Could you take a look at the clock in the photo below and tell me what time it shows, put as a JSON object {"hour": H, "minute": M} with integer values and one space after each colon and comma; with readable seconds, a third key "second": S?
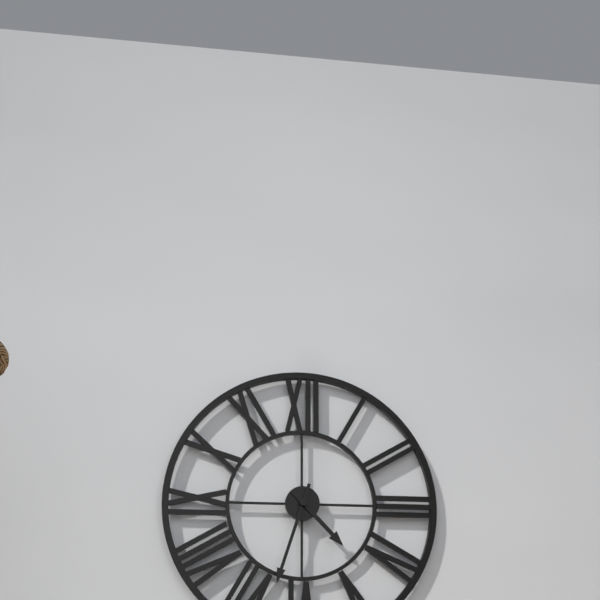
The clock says {"hour": 4, "minute": 33}
